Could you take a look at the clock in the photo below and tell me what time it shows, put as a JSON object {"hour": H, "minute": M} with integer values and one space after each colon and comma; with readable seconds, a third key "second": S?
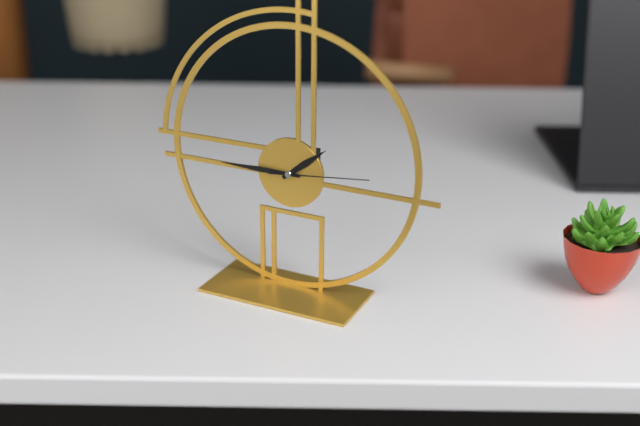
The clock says {"hour": 1, "minute": 45, "second": 14}
